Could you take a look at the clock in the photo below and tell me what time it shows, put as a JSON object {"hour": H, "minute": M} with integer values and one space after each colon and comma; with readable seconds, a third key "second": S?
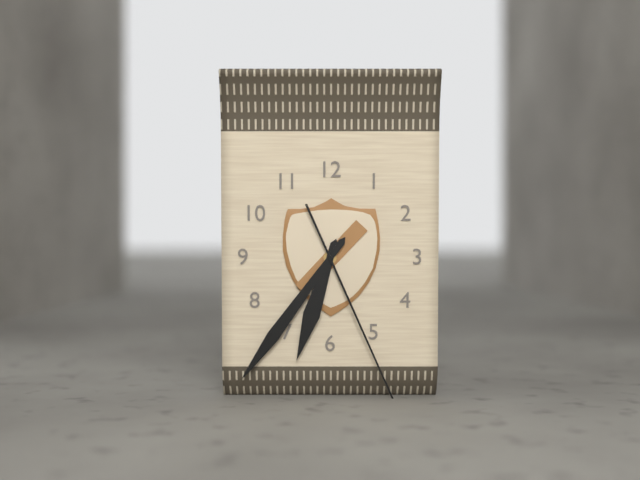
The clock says {"hour": 6, "minute": 36, "second": 26}
